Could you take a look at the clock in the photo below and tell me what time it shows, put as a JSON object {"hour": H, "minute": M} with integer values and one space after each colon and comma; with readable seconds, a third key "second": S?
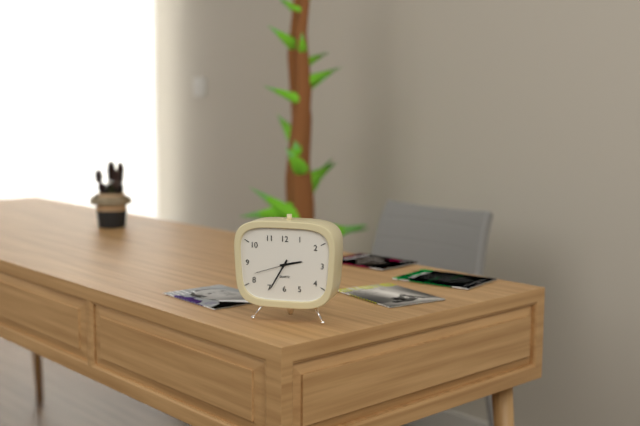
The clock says {"hour": 2, "minute": 35}
